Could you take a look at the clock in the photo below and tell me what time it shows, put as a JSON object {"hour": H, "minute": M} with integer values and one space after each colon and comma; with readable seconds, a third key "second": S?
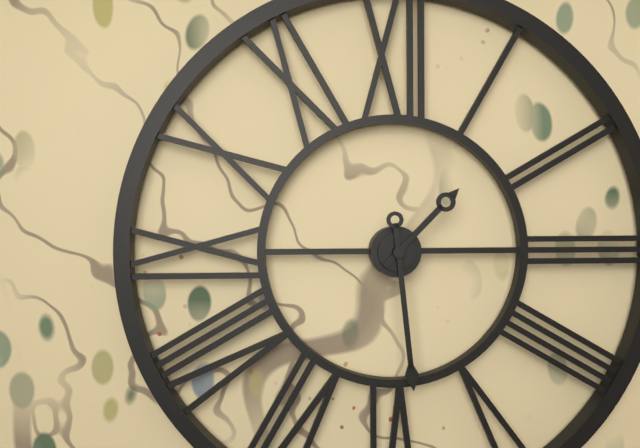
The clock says {"hour": 1, "minute": 29}
